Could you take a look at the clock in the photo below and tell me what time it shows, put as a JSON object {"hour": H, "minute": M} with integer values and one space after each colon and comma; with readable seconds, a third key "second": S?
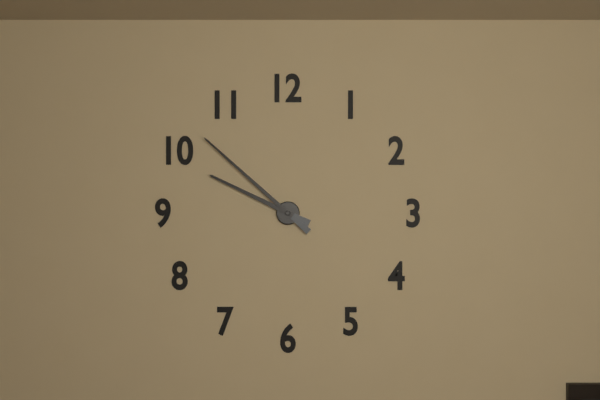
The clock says {"hour": 9, "minute": 52}
